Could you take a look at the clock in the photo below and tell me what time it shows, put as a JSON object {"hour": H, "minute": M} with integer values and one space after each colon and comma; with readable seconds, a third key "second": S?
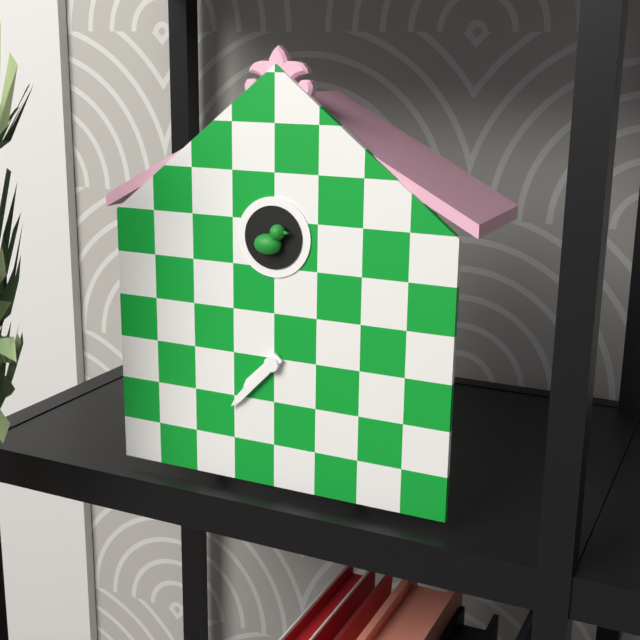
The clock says {"hour": 7, "minute": 37}
